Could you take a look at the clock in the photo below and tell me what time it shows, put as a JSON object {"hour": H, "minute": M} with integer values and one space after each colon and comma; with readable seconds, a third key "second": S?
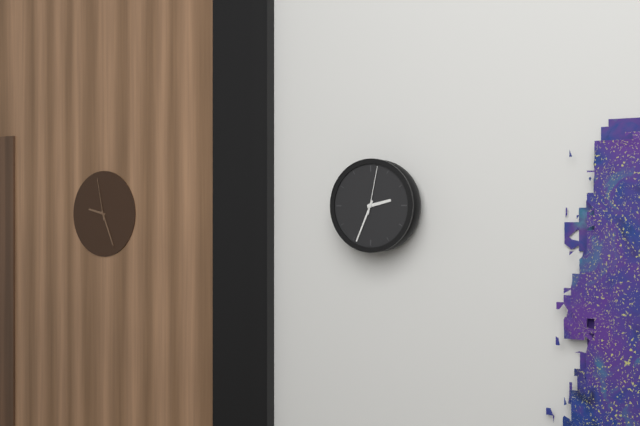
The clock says {"hour": 2, "minute": 34, "second": 2}
